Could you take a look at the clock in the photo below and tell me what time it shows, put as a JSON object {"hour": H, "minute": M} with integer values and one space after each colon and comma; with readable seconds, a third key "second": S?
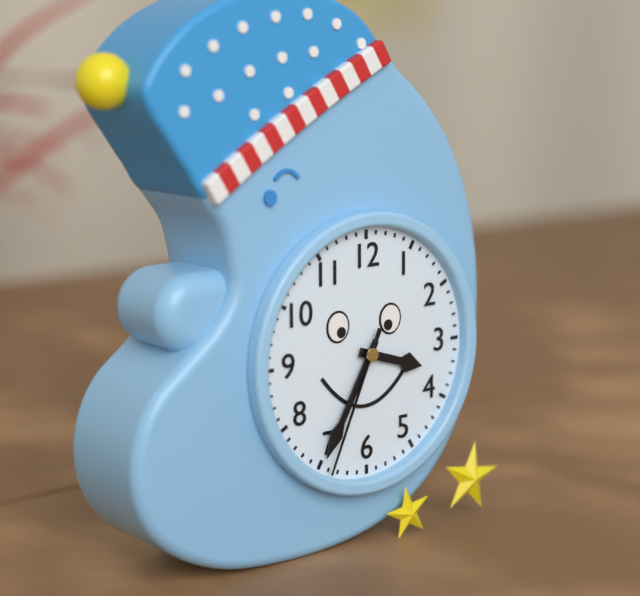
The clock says {"hour": 3, "minute": 35, "second": 34}
